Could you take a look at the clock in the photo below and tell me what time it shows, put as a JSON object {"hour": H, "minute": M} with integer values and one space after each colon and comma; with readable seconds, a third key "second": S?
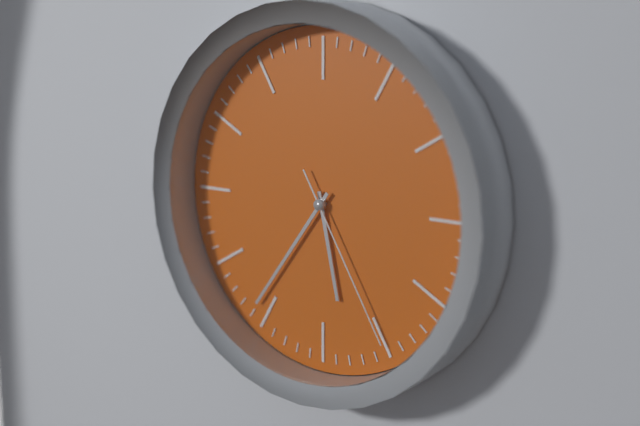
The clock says {"hour": 5, "minute": 36, "second": 25}
